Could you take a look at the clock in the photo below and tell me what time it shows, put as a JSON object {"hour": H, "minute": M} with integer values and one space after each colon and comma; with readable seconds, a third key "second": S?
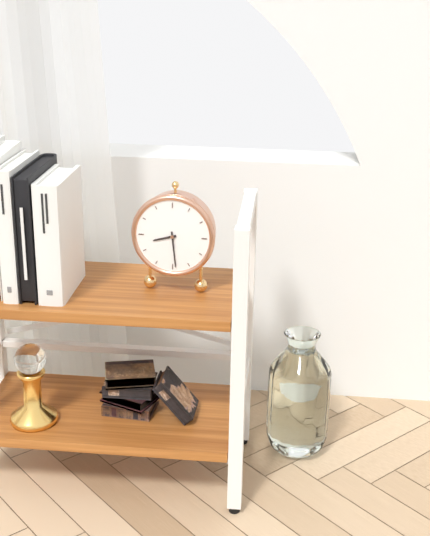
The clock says {"hour": 8, "minute": 29}
